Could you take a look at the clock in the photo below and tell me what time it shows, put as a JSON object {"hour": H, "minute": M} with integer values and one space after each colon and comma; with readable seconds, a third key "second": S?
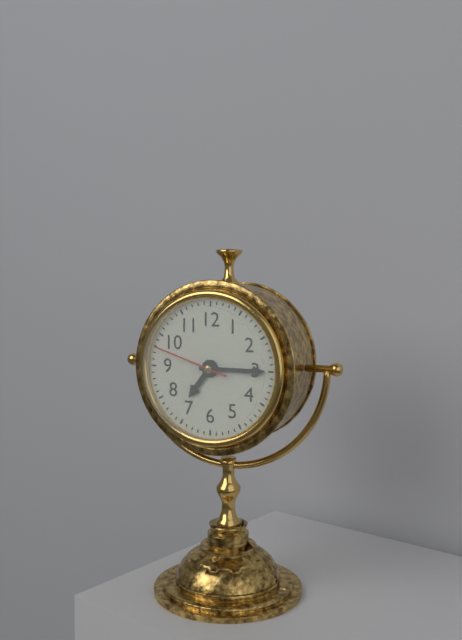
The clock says {"hour": 7, "minute": 15, "second": 48}
